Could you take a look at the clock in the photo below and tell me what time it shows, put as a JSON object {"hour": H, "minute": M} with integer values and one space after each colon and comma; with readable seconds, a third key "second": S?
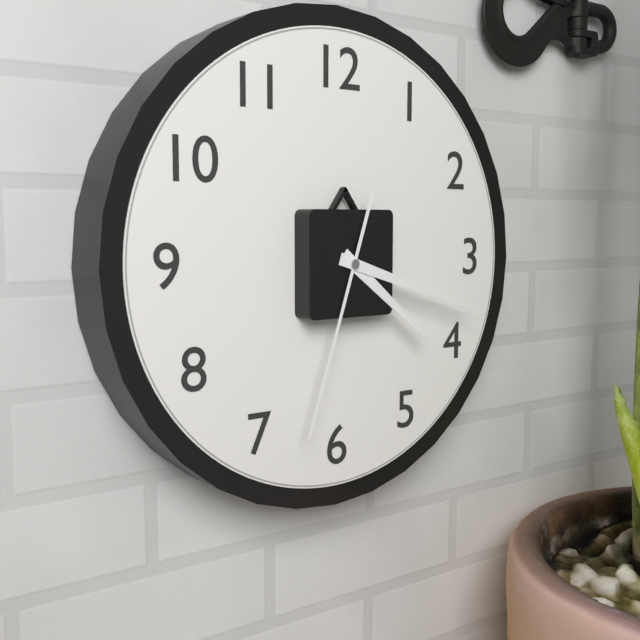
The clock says {"hour": 4, "minute": 18, "second": 33}
